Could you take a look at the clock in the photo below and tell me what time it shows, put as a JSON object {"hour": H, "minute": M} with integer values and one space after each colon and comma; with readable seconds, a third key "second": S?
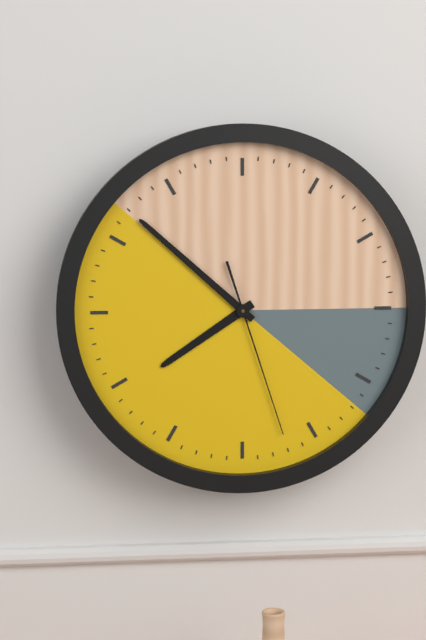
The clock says {"hour": 7, "minute": 52, "second": 27}
